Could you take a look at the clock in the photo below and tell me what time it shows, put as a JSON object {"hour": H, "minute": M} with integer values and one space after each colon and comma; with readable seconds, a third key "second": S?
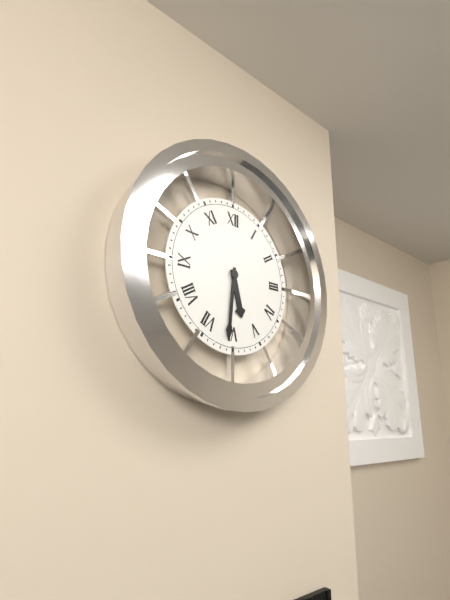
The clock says {"hour": 5, "minute": 31}
